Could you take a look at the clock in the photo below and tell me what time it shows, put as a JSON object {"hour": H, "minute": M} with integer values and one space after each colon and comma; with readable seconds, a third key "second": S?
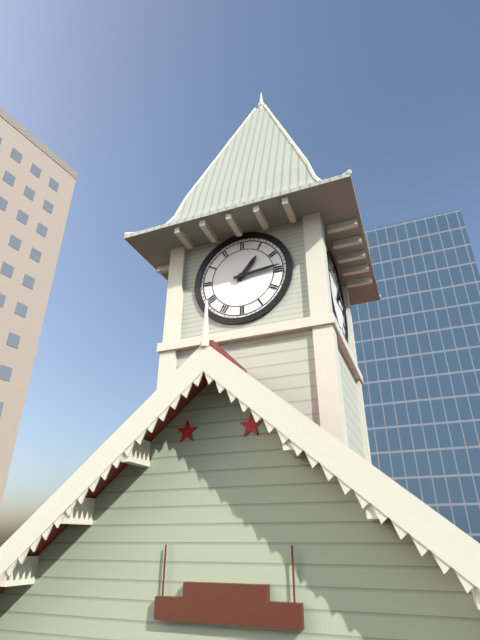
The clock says {"hour": 1, "minute": 14}
